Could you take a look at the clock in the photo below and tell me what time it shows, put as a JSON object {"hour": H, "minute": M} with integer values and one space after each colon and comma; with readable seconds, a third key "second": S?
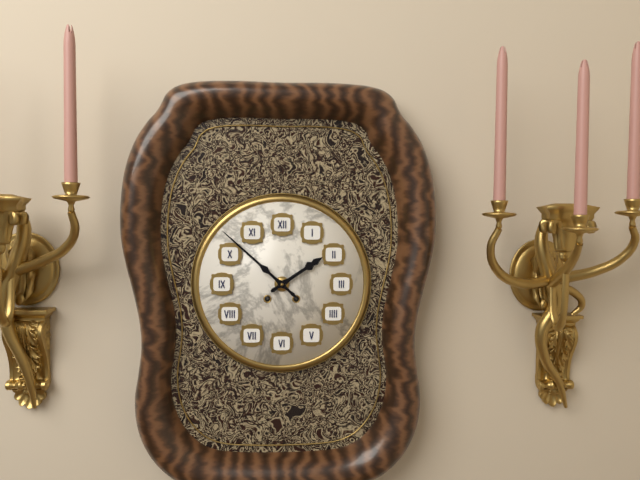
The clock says {"hour": 1, "minute": 52}
